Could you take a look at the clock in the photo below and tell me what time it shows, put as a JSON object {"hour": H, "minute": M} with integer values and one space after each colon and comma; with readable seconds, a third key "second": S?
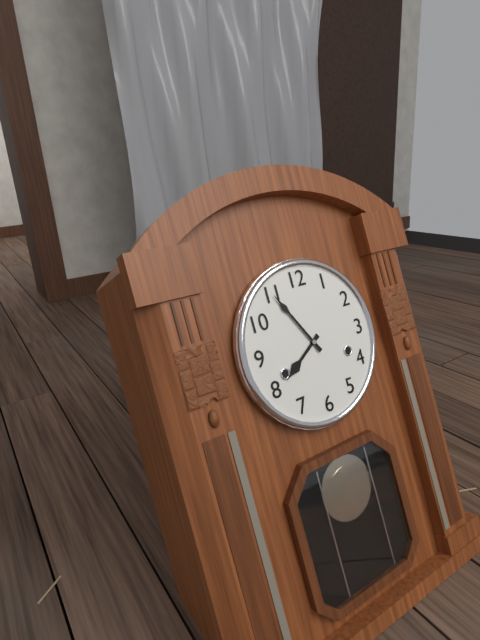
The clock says {"hour": 7, "minute": 55}
